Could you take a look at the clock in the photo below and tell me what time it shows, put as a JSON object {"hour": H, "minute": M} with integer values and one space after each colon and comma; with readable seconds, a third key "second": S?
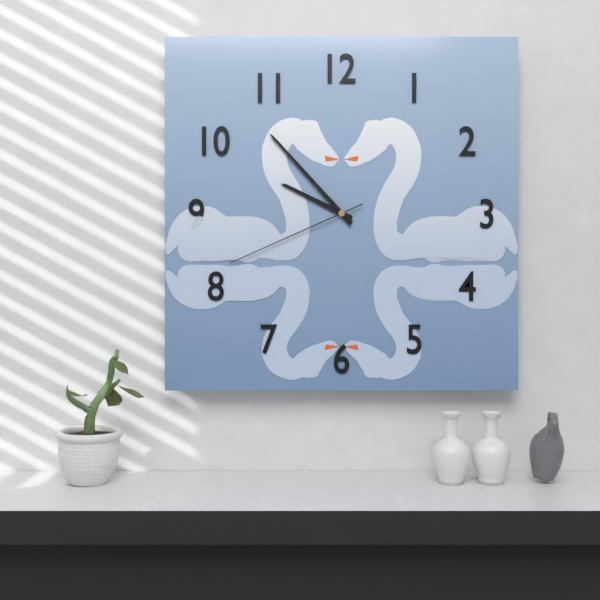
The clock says {"hour": 9, "minute": 53, "second": 41}
